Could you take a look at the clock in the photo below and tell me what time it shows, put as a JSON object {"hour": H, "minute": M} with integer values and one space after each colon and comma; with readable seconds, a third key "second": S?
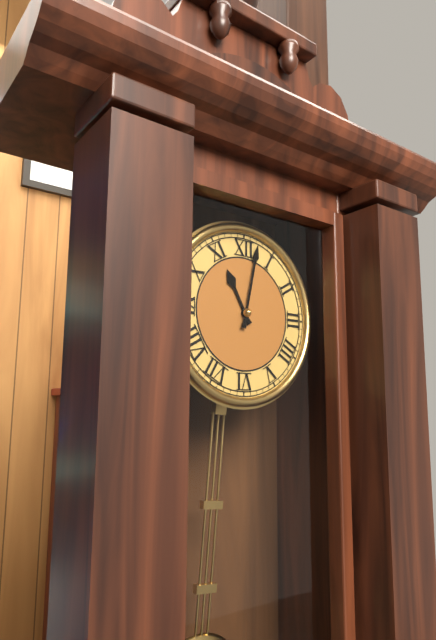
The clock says {"hour": 11, "minute": 2}
